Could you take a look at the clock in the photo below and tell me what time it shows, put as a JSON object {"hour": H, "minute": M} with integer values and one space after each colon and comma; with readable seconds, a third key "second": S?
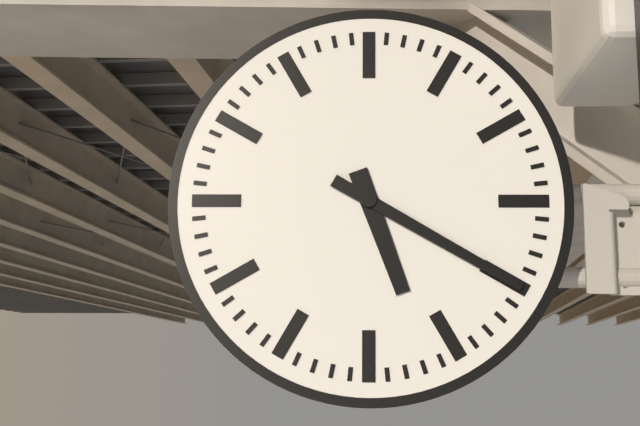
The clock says {"hour": 5, "minute": 20}
